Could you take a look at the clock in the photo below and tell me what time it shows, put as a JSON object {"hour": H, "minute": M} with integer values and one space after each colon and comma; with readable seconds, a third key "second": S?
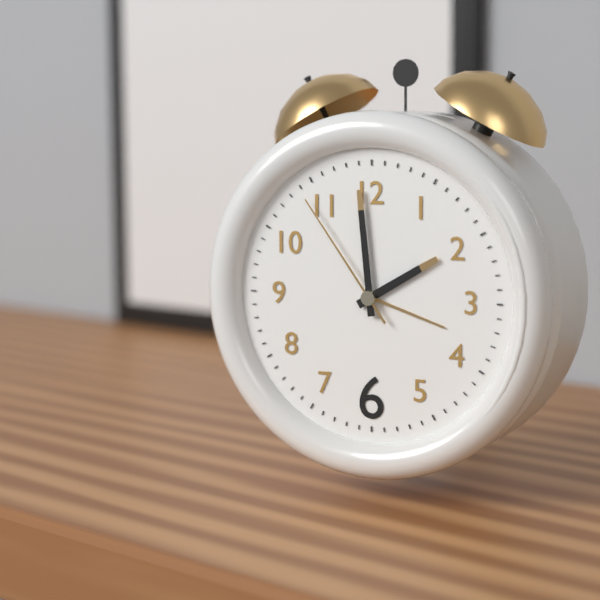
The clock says {"hour": 1, "minute": 59, "second": 54}
